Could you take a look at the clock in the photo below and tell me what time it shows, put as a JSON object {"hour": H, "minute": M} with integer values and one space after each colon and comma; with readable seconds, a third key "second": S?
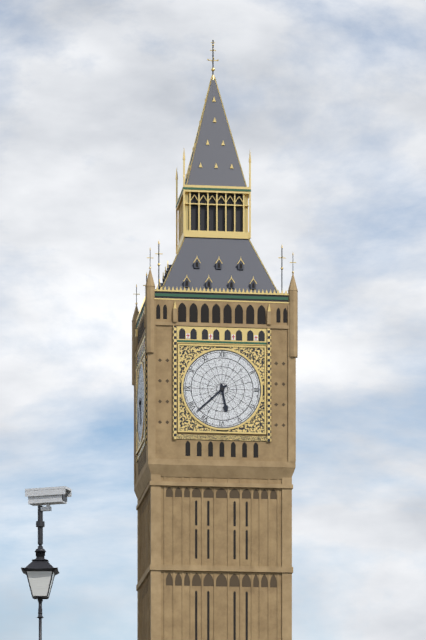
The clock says {"hour": 5, "minute": 38}
